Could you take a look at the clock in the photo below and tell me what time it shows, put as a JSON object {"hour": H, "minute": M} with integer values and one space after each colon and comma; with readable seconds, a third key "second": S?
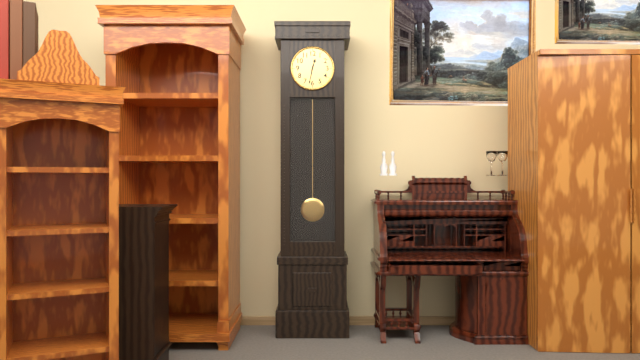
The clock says {"hour": 12, "minute": 32}
